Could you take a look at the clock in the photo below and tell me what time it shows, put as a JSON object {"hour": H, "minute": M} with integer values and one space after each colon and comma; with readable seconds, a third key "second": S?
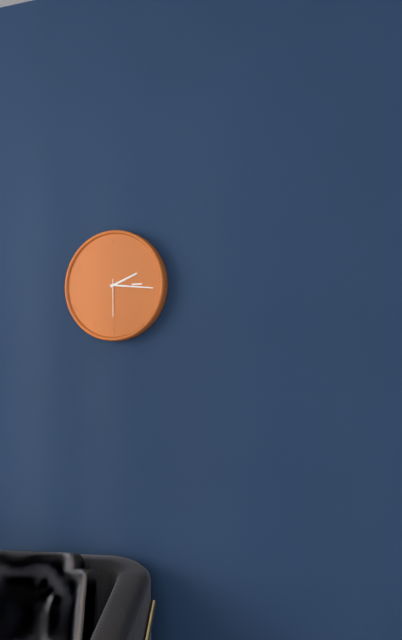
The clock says {"hour": 2, "minute": 16}
